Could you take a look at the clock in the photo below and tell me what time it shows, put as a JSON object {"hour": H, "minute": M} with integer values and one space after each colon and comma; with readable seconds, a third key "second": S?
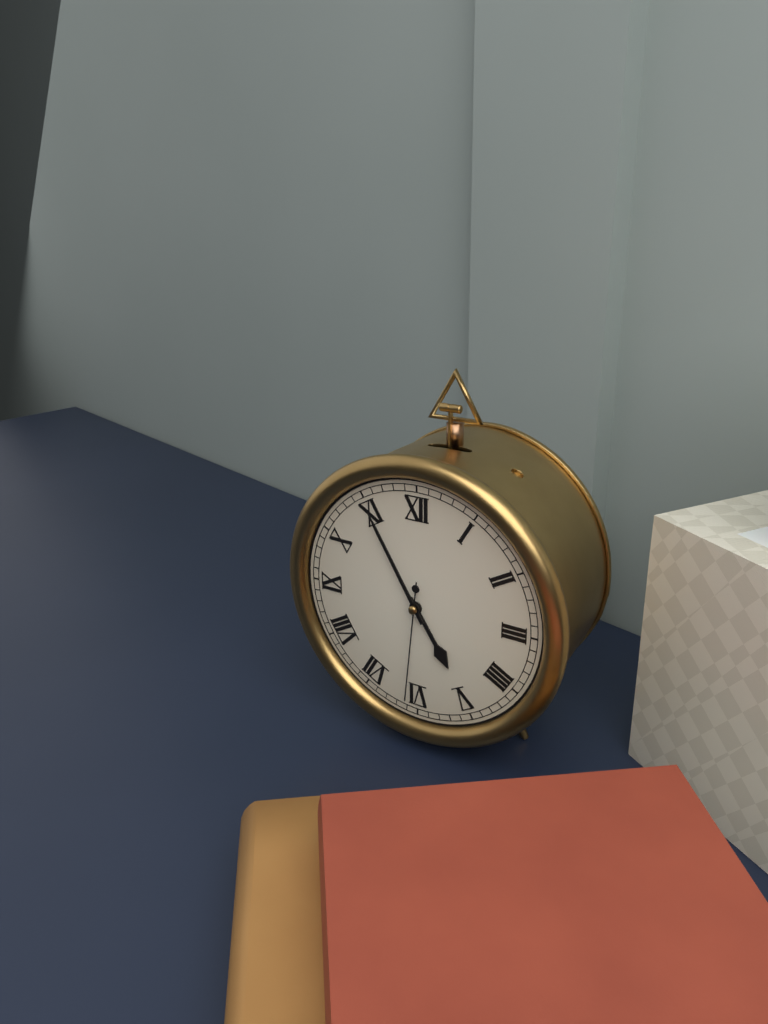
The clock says {"hour": 4, "minute": 55, "second": 31}
